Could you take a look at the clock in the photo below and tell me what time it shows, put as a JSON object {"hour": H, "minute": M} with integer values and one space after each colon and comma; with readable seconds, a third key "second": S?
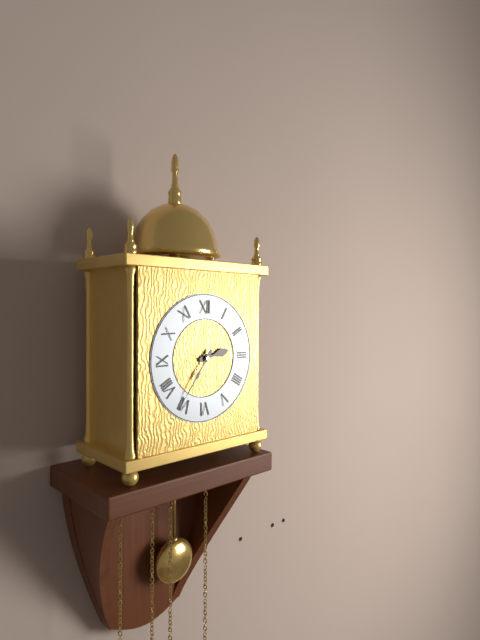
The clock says {"hour": 2, "minute": 36}
